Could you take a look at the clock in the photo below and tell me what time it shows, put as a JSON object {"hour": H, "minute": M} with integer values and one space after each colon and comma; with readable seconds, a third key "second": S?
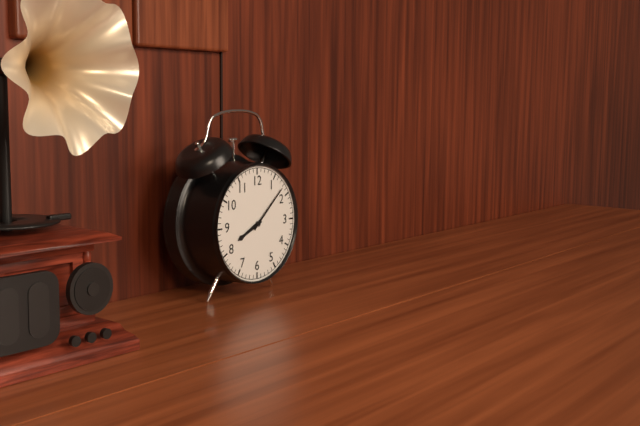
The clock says {"hour": 8, "minute": 8}
